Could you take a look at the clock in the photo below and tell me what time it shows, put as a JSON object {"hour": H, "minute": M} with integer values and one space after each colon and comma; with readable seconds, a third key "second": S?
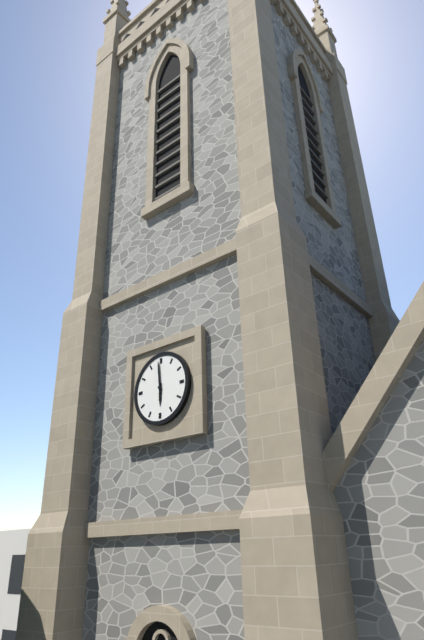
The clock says {"hour": 5, "minute": 59}
